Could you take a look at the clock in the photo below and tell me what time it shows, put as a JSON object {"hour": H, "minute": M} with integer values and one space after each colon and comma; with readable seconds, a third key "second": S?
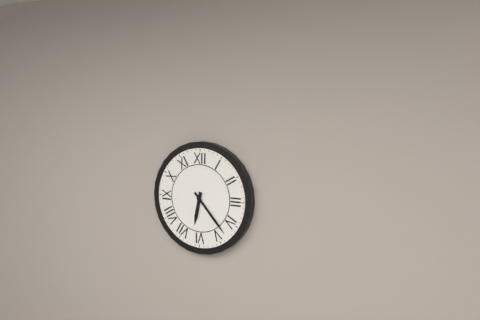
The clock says {"hour": 6, "minute": 23}
